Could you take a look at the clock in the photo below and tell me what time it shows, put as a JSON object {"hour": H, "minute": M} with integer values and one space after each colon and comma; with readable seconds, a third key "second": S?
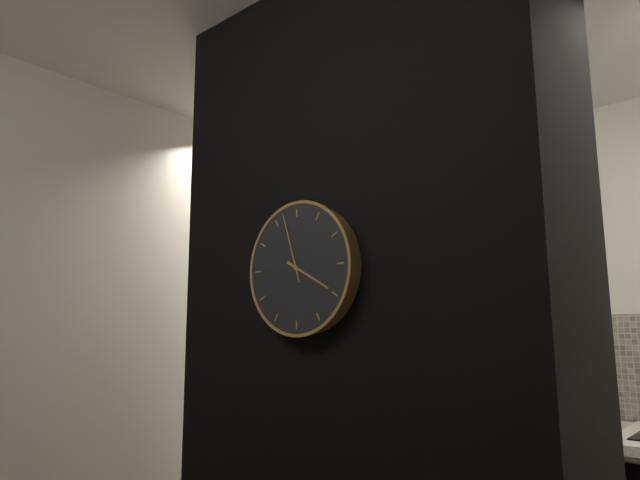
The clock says {"hour": 3, "minute": 57}
